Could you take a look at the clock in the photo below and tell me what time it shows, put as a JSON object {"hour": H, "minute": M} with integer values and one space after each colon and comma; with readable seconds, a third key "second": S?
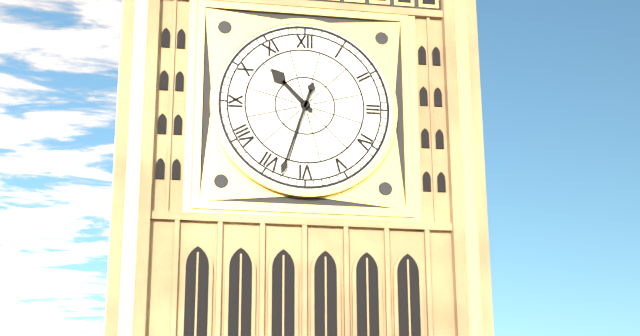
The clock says {"hour": 10, "minute": 33}
